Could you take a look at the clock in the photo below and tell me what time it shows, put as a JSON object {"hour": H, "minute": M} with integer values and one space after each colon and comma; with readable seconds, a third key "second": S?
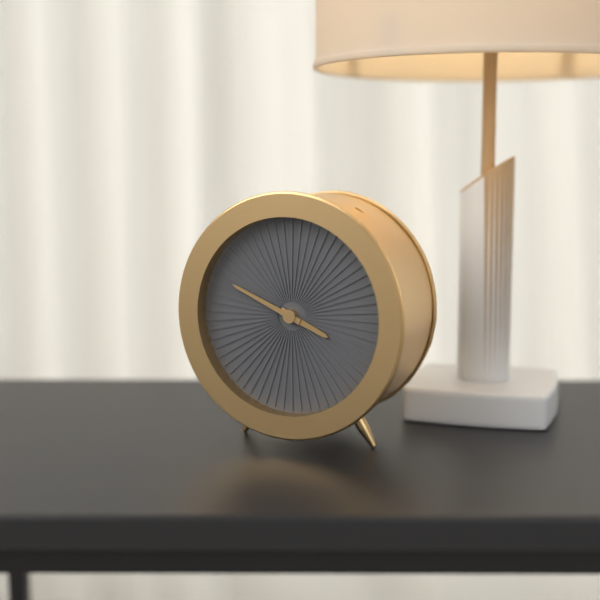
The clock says {"hour": 3, "minute": 49}
